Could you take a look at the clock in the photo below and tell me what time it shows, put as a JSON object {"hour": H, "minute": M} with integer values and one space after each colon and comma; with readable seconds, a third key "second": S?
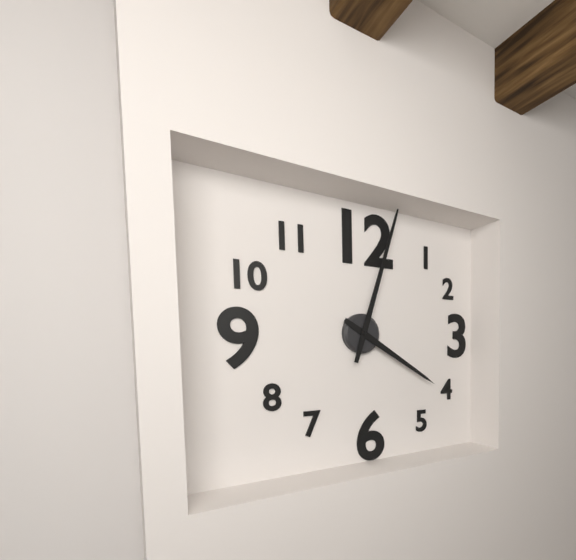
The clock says {"hour": 4, "minute": 3}
